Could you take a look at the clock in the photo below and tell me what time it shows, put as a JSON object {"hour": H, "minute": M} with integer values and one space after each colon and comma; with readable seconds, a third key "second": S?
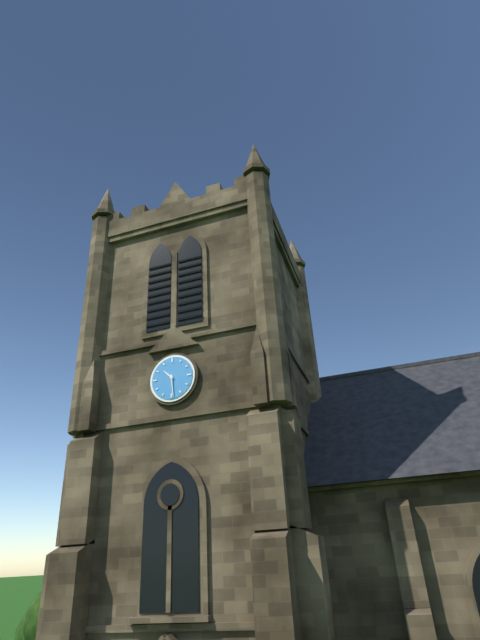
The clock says {"hour": 10, "minute": 29}
